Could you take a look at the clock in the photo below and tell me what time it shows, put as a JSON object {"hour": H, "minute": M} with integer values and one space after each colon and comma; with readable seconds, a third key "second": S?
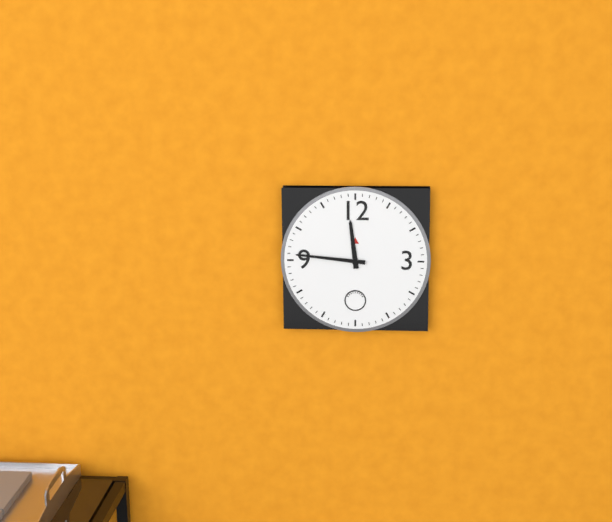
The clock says {"hour": 11, "minute": 46}
